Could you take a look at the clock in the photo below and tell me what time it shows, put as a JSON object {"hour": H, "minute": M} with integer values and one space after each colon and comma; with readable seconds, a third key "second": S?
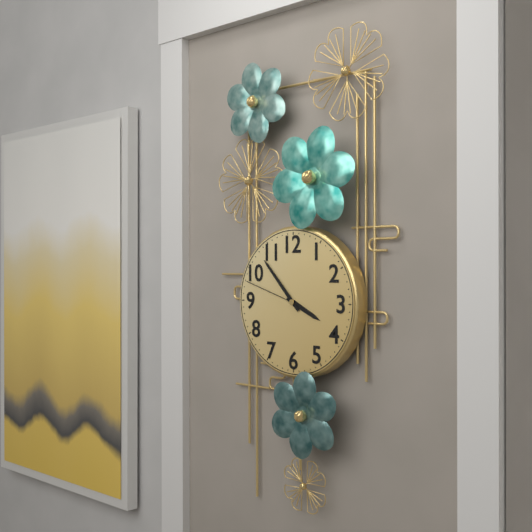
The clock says {"hour": 3, "minute": 53, "second": 48}
